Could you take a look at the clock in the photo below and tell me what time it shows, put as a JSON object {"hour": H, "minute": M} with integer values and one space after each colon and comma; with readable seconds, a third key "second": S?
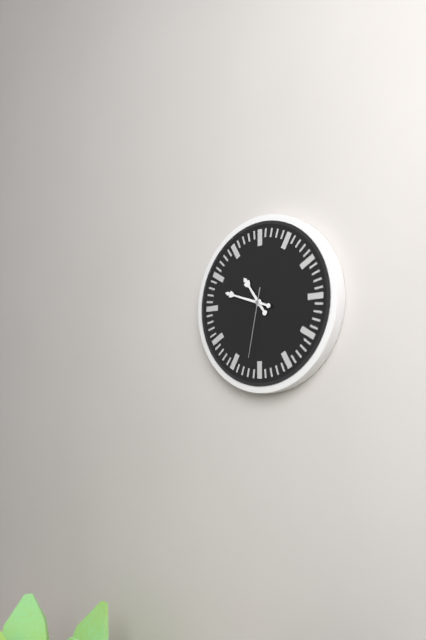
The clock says {"hour": 10, "minute": 48, "second": 32}
